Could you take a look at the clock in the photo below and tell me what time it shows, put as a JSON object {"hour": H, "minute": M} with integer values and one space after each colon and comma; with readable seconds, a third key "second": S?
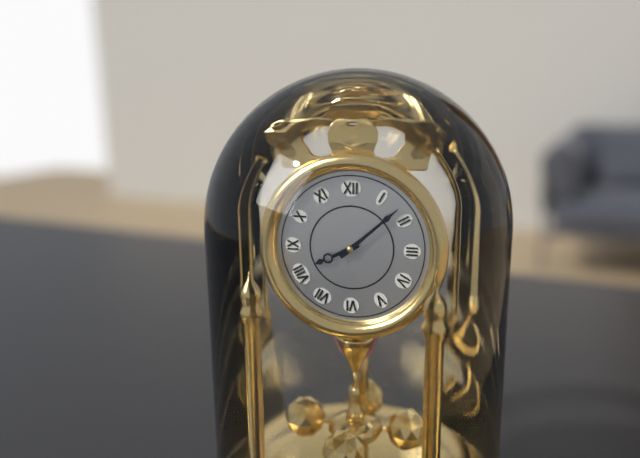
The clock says {"hour": 8, "minute": 8}
